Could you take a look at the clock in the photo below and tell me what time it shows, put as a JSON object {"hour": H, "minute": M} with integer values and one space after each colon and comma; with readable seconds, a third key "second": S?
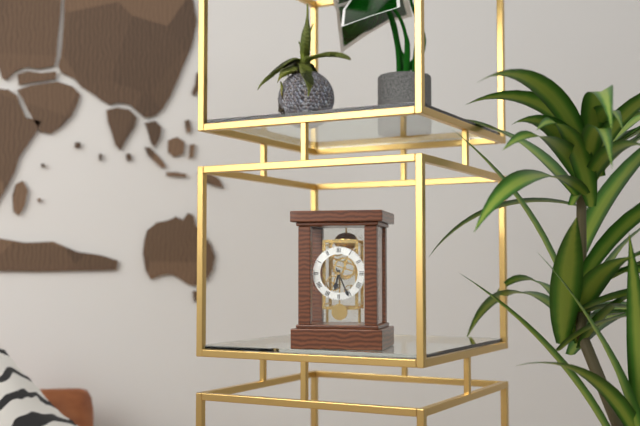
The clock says {"hour": 6, "minute": 26}
